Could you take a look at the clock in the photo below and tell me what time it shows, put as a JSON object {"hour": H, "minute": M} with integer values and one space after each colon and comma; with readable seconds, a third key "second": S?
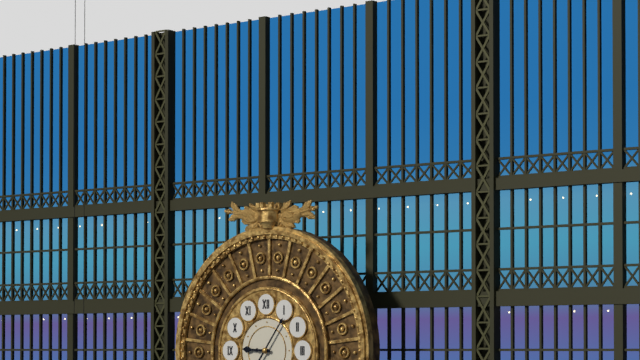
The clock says {"hour": 9, "minute": 6}
